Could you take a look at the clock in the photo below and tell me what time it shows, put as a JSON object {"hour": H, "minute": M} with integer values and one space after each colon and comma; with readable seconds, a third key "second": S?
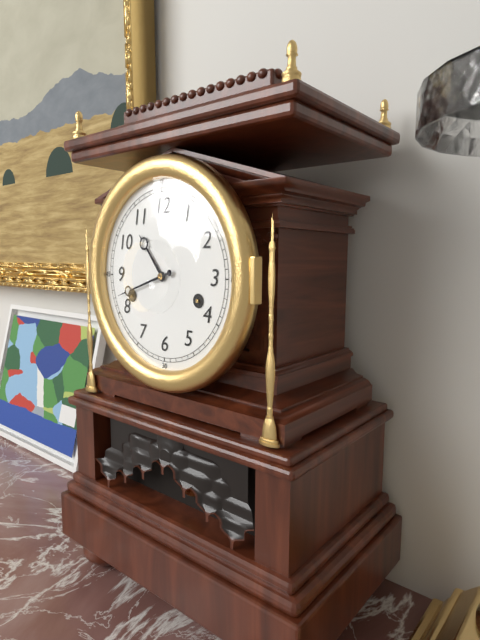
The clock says {"hour": 10, "minute": 42}
